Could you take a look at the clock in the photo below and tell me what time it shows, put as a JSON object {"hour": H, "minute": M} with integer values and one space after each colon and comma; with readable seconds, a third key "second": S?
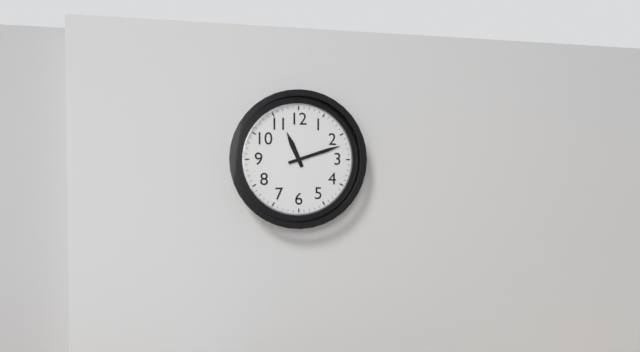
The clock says {"hour": 11, "minute": 12}
